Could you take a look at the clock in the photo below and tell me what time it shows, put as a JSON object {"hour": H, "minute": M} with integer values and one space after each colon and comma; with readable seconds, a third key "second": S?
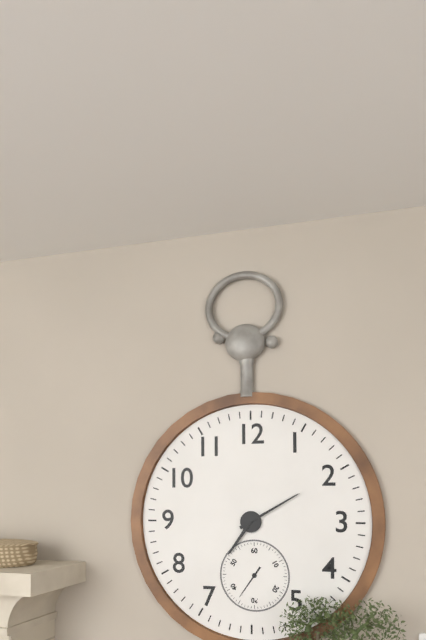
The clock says {"hour": 7, "minute": 10}
